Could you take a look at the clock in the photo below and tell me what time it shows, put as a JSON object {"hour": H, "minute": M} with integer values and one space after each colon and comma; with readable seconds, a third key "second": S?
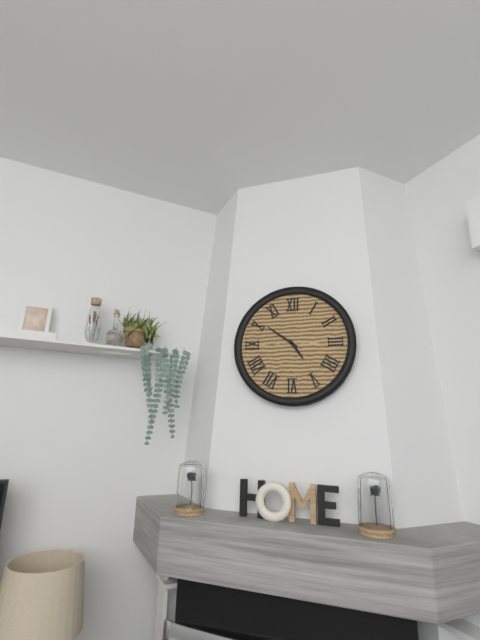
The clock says {"hour": 4, "minute": 51}
